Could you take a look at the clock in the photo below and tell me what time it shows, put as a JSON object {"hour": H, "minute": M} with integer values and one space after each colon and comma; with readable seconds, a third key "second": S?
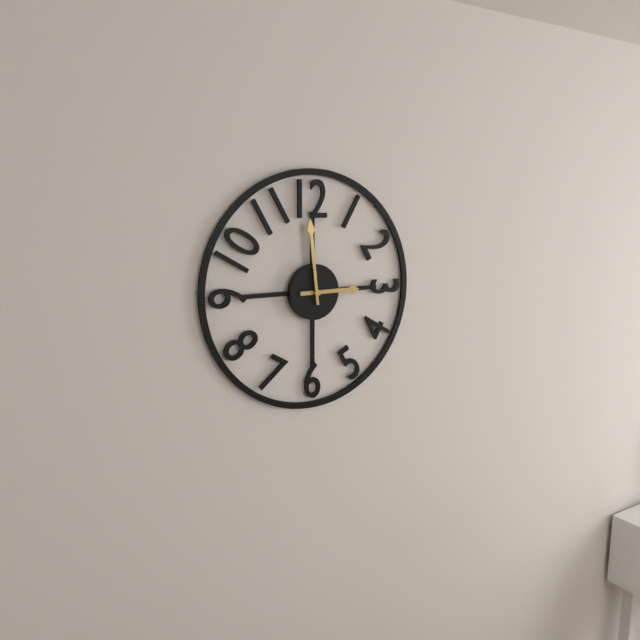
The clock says {"hour": 2, "minute": 59}
